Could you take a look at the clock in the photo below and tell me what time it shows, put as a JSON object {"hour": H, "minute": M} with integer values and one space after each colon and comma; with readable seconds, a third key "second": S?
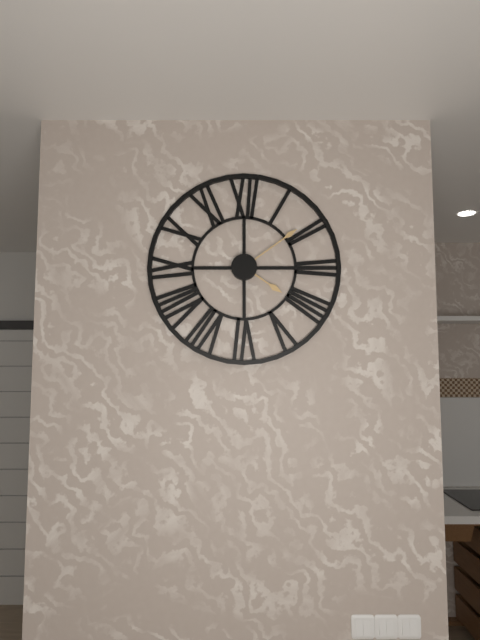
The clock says {"hour": 4, "minute": 9}
